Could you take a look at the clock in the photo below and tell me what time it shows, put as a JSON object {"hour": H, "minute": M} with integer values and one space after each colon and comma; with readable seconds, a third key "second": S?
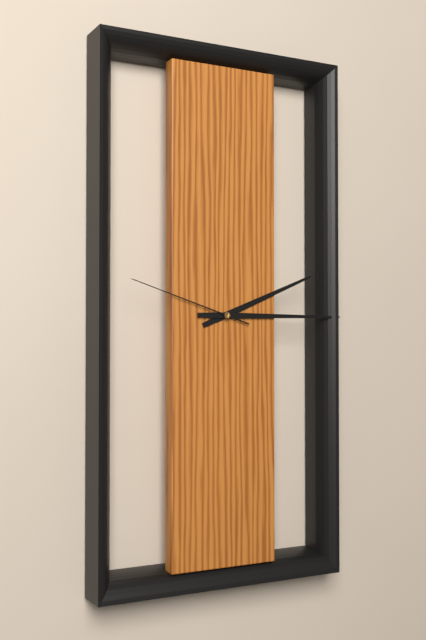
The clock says {"hour": 2, "minute": 15, "second": 48}
